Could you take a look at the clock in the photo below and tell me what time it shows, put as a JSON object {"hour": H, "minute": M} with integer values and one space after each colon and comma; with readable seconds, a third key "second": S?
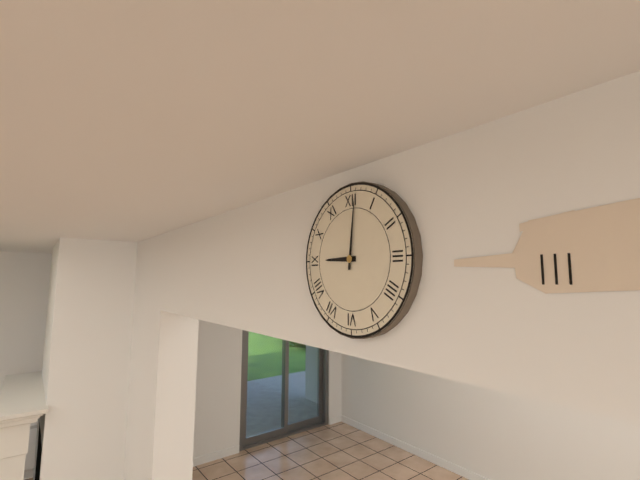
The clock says {"hour": 9, "minute": 1}
